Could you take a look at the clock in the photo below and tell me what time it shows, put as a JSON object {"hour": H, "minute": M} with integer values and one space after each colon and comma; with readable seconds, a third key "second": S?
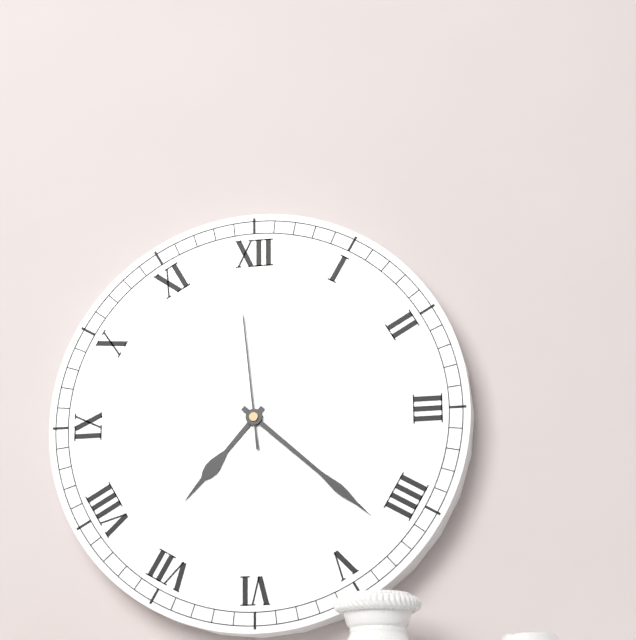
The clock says {"hour": 7, "minute": 22, "second": 59}
